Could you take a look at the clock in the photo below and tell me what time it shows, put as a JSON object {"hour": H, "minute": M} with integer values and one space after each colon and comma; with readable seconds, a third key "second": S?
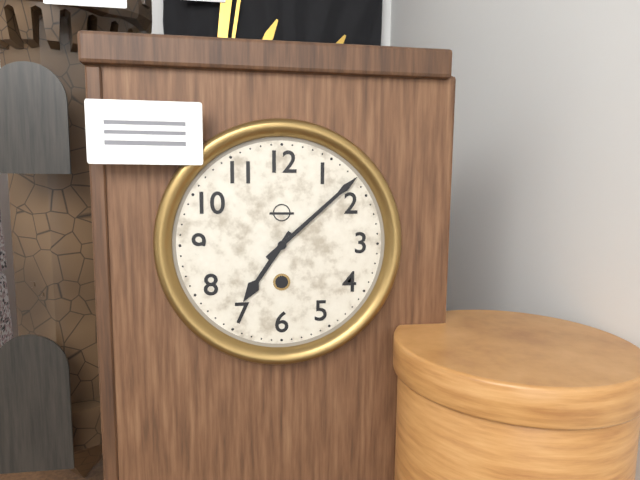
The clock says {"hour": 7, "minute": 8}
